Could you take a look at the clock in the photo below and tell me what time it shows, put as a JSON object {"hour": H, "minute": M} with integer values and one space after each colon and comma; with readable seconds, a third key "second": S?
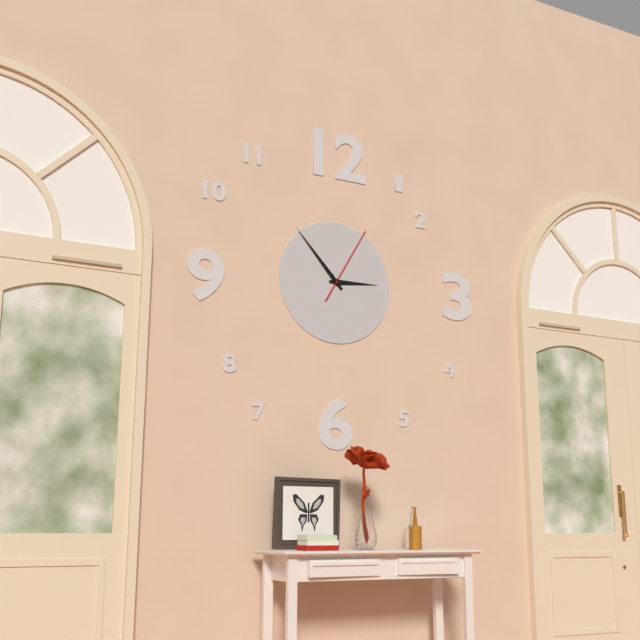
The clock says {"hour": 2, "minute": 53, "second": 5}
